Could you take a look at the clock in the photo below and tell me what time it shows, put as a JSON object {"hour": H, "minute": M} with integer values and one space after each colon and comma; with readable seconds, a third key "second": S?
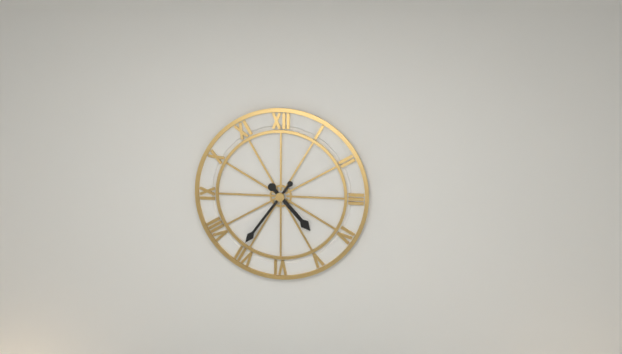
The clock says {"hour": 4, "minute": 36}
